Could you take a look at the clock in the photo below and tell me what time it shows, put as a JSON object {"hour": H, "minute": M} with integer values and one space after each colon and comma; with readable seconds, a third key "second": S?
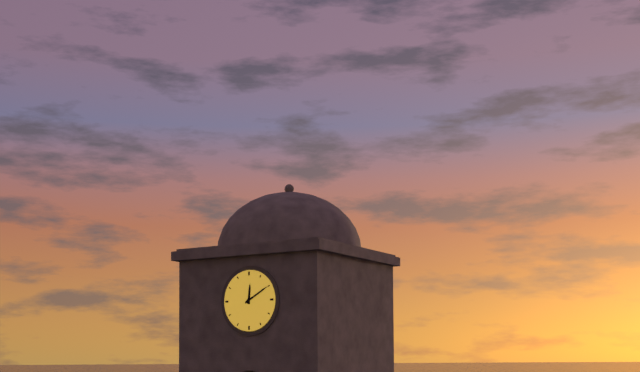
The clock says {"hour": 12, "minute": 10}
